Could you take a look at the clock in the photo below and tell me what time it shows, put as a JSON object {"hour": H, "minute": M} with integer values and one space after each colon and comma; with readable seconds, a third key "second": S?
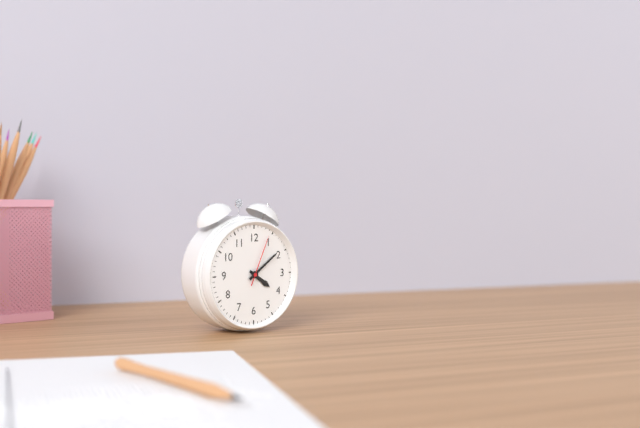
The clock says {"hour": 4, "minute": 9, "second": 4}
